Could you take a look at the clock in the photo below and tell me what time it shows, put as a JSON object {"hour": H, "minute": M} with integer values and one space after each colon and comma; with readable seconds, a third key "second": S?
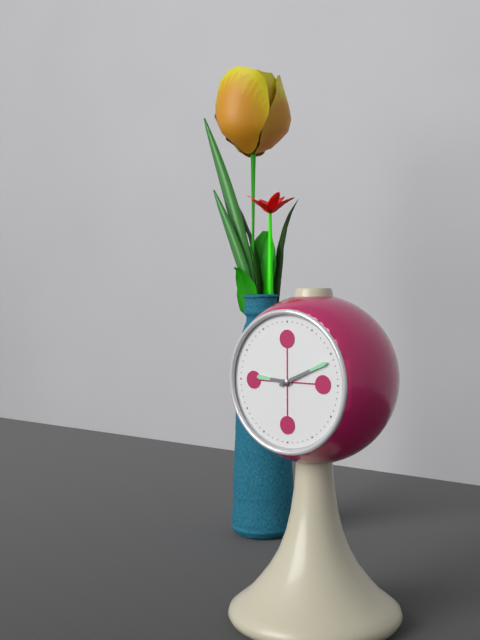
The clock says {"hour": 9, "minute": 11}
